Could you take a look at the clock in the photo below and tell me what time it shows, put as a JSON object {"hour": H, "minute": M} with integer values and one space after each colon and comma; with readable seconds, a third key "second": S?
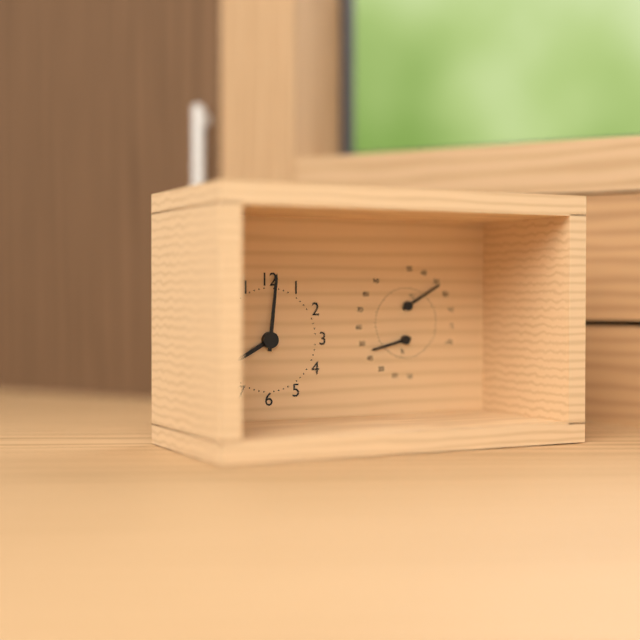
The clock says {"hour": 8, "minute": 1}
